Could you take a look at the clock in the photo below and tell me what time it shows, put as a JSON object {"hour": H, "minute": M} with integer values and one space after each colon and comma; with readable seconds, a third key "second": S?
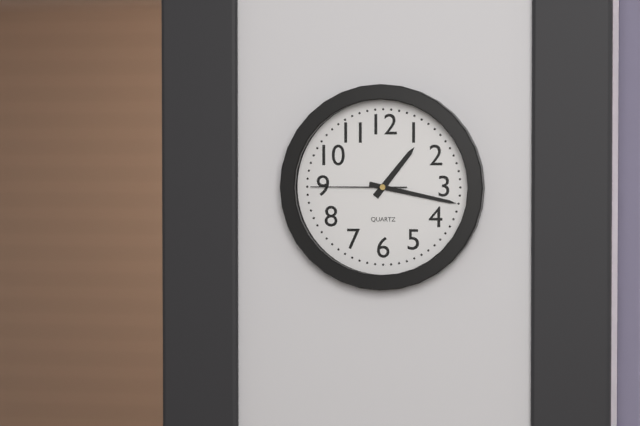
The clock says {"hour": 1, "minute": 17, "second": 45}
